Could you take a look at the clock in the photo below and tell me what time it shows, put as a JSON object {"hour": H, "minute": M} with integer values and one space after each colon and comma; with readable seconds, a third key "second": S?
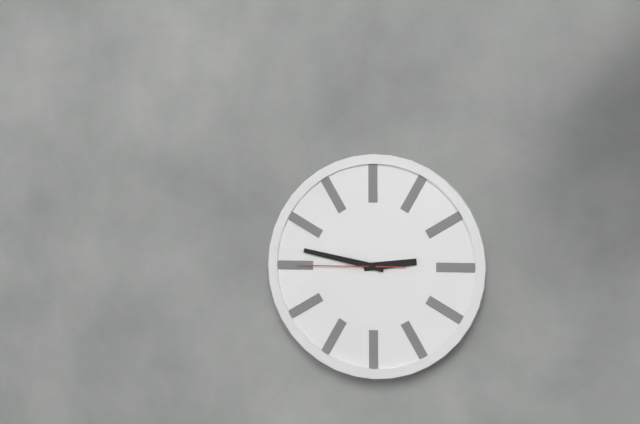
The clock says {"hour": 2, "minute": 47, "second": 45}
